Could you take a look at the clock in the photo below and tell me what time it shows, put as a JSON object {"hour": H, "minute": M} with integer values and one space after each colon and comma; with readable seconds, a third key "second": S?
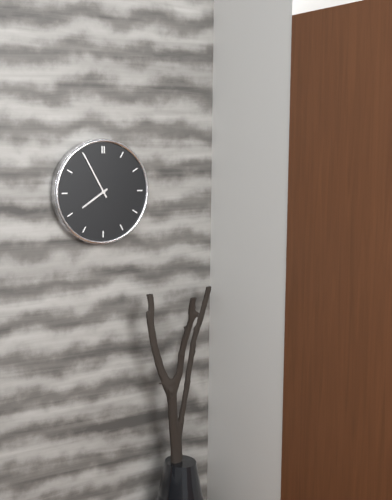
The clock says {"hour": 7, "minute": 55}
